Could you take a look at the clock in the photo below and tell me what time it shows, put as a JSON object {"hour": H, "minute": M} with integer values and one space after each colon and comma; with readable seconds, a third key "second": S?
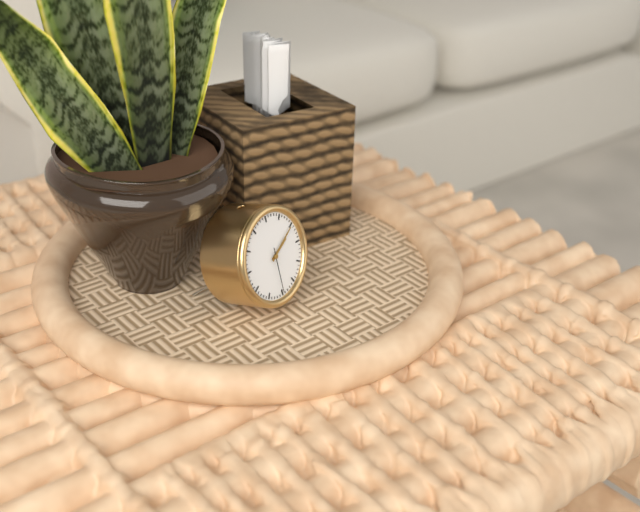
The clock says {"hour": 2, "minute": 10}
